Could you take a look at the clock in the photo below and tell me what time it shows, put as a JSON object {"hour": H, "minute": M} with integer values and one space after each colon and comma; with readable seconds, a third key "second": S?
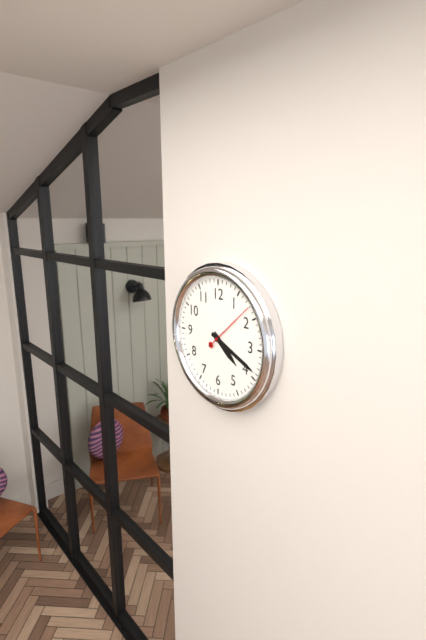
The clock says {"hour": 4, "minute": 19, "second": 8}
